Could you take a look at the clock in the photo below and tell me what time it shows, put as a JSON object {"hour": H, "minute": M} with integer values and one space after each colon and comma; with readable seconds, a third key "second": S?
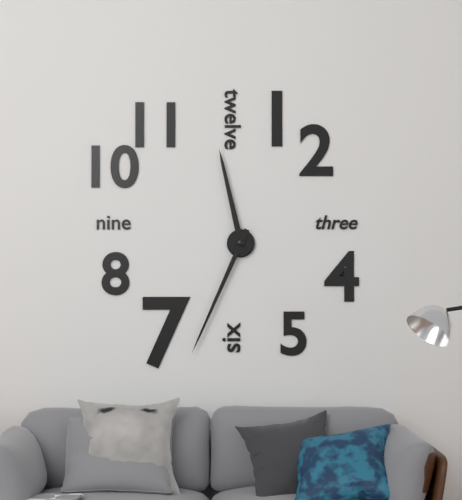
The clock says {"hour": 11, "minute": 34}
